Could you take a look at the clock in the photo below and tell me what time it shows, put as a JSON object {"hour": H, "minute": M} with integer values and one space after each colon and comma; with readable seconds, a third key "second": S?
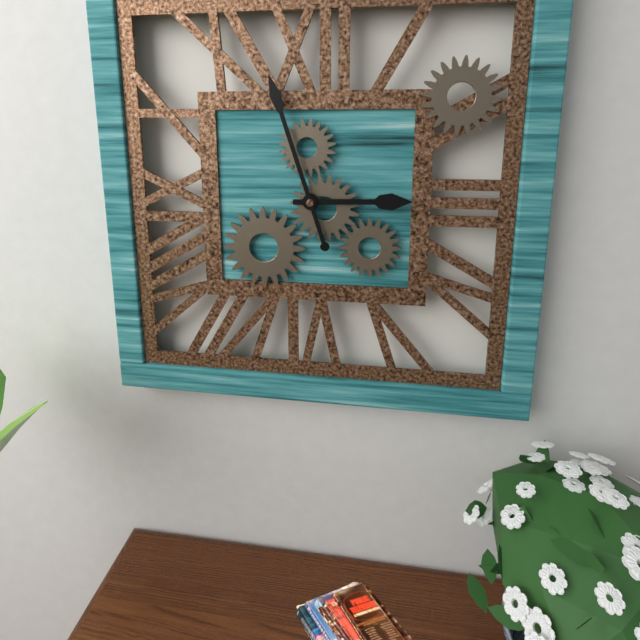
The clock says {"hour": 2, "minute": 57}
